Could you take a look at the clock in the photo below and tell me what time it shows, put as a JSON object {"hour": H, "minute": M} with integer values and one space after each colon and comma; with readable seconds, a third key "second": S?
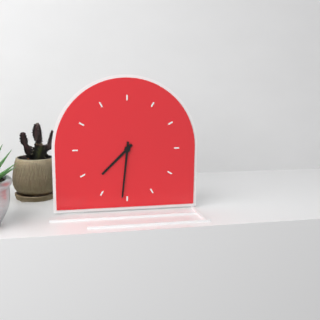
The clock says {"hour": 7, "minute": 31}
